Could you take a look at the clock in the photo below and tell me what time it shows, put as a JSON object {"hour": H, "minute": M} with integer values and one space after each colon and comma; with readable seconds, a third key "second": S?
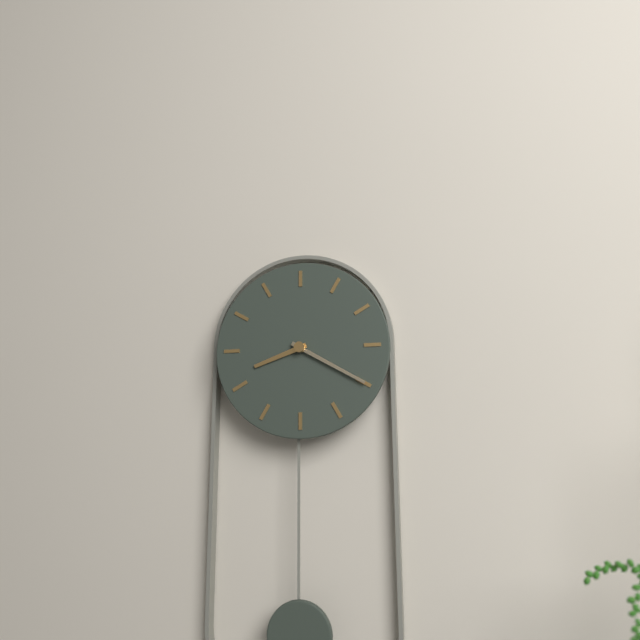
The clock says {"hour": 8, "minute": 20}
